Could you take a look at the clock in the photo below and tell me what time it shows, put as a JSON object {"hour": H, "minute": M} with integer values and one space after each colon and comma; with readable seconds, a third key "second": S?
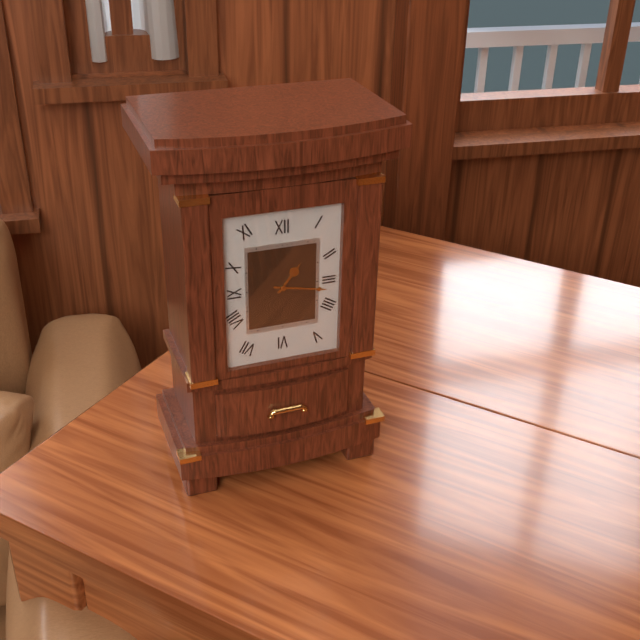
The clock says {"hour": 1, "minute": 17}
